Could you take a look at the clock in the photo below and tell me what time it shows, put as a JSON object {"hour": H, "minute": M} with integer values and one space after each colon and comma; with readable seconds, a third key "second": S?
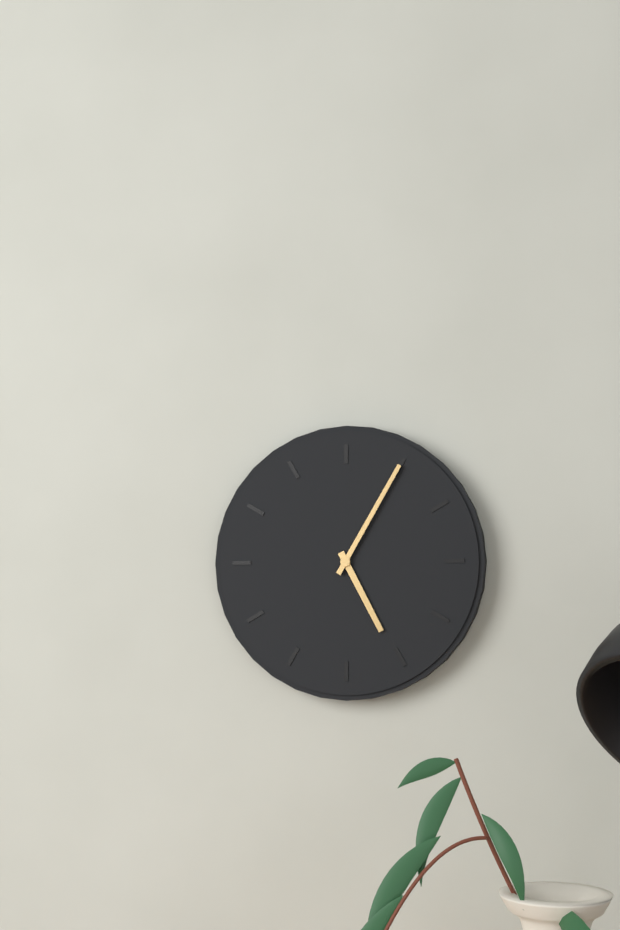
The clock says {"hour": 5, "minute": 5}
